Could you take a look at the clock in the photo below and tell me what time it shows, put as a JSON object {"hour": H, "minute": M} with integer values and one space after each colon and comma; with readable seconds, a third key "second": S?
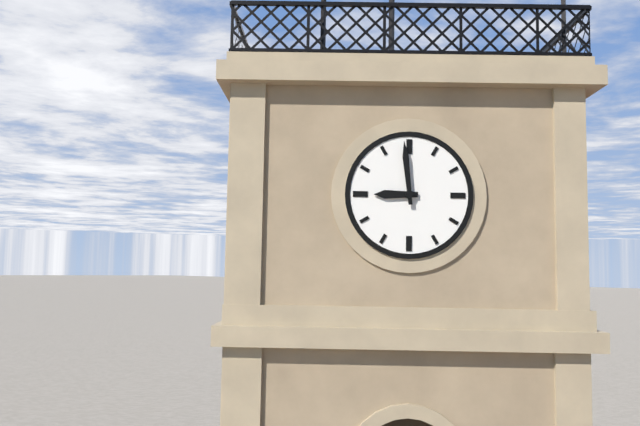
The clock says {"hour": 8, "minute": 59}
